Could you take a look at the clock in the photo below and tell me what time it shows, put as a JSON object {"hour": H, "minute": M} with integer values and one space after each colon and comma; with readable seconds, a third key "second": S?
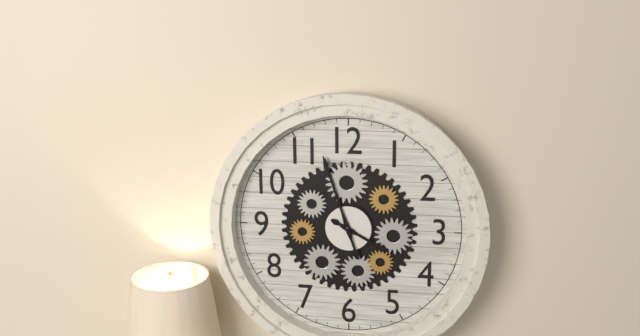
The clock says {"hour": 3, "minute": 57}
